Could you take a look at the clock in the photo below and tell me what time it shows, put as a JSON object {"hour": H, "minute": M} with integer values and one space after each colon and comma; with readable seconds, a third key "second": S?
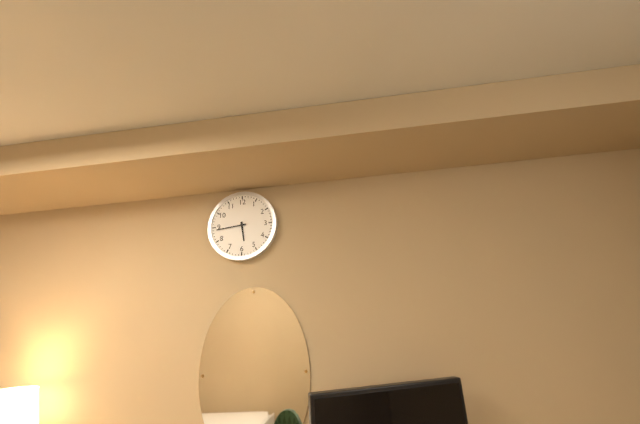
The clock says {"hour": 5, "minute": 44}
